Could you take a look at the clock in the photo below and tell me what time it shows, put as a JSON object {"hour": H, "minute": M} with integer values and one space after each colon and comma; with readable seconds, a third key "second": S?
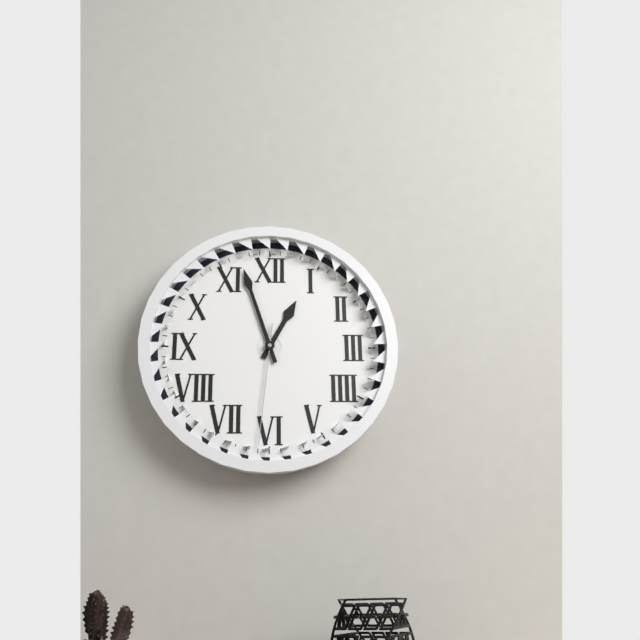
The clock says {"hour": 12, "minute": 57, "second": 31}
